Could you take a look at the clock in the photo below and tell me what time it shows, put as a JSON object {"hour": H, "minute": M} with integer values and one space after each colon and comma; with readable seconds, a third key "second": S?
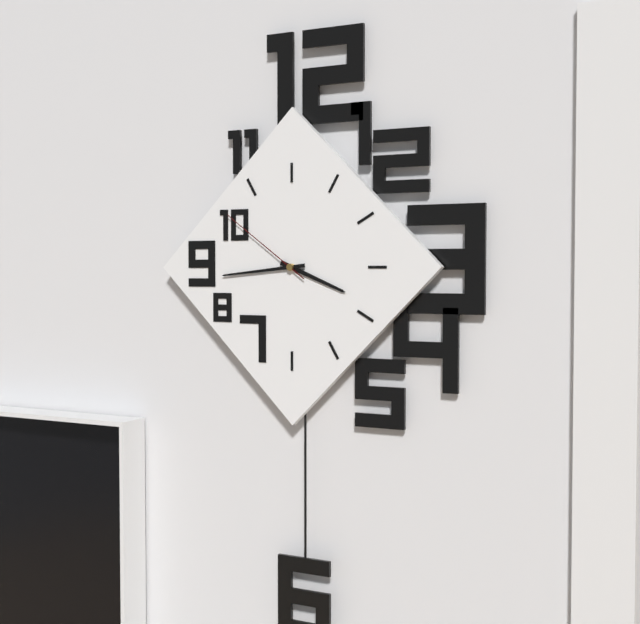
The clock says {"hour": 3, "minute": 44, "second": 51}
